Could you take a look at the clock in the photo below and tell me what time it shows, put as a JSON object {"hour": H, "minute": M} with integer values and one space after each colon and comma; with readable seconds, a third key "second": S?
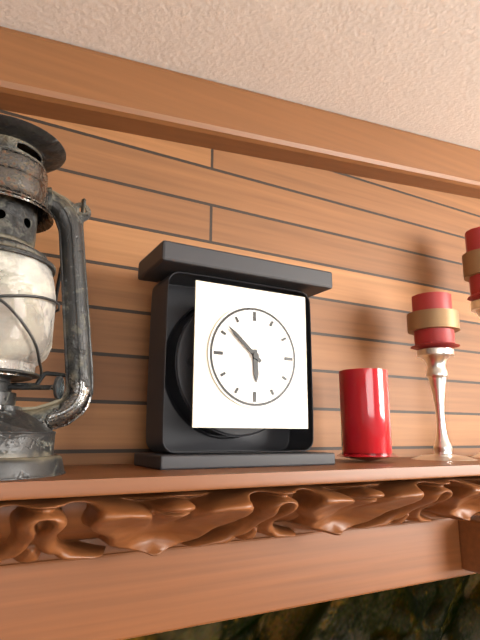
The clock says {"hour": 5, "minute": 52}
